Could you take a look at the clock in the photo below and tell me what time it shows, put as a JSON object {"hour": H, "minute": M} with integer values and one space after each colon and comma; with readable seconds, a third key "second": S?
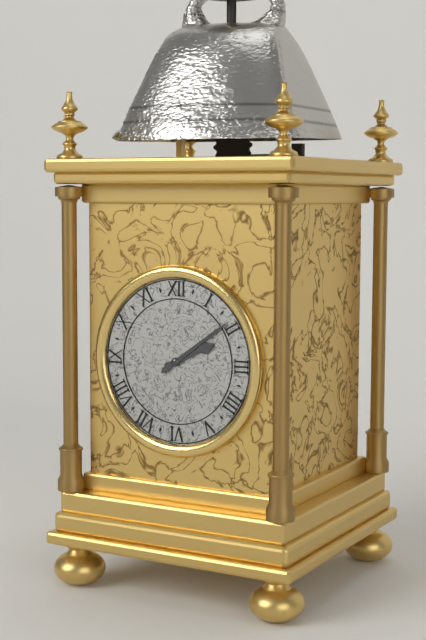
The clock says {"hour": 2, "minute": 9}
